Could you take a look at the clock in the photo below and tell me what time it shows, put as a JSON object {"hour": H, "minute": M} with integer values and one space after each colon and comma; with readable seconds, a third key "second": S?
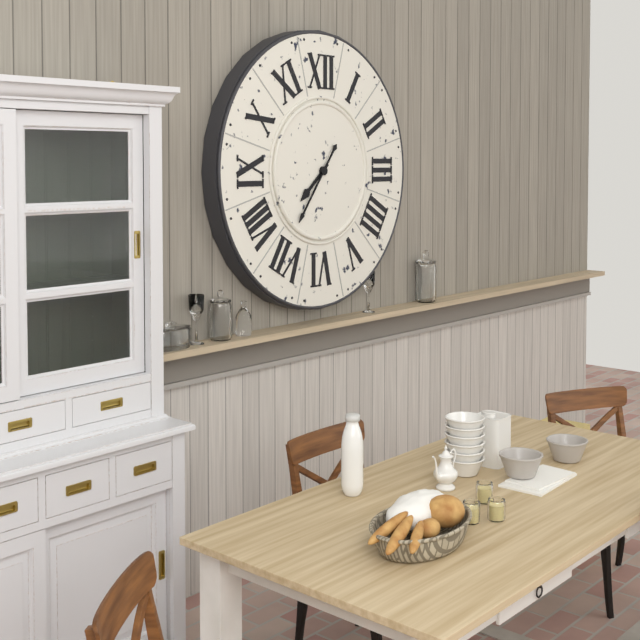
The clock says {"hour": 7, "minute": 36}
